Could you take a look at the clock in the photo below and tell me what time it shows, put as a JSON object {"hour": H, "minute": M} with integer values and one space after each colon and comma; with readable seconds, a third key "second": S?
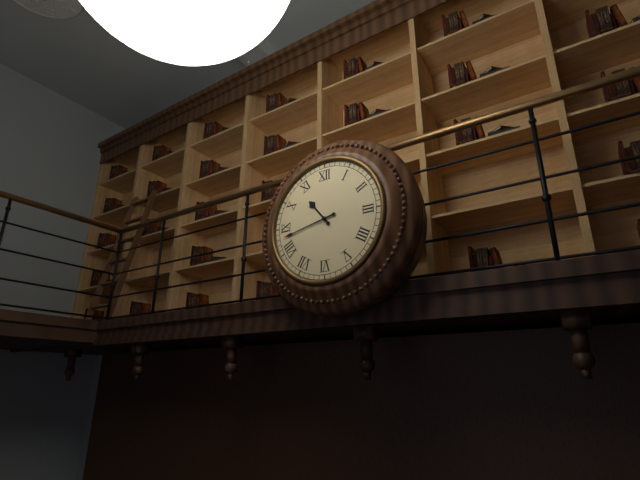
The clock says {"hour": 10, "minute": 43}
